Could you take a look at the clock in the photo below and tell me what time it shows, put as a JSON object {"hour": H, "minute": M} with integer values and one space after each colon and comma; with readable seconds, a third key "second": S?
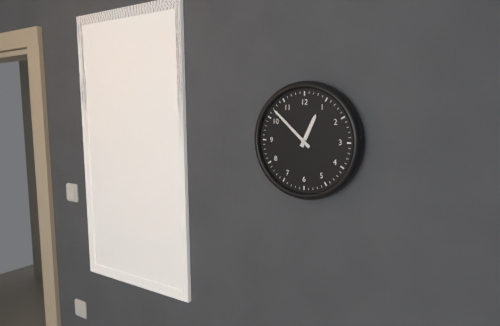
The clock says {"hour": 12, "minute": 52}
